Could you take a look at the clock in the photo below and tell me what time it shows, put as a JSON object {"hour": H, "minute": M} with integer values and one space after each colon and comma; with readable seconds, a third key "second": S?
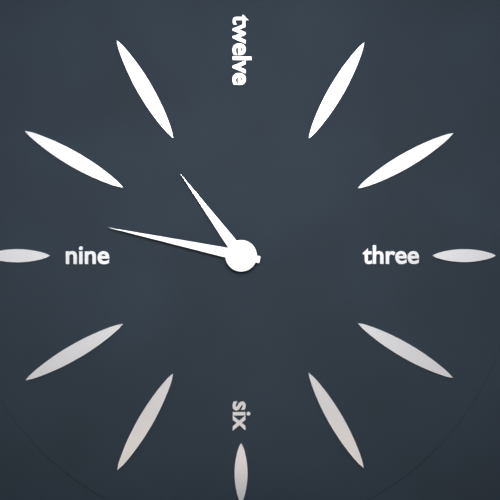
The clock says {"hour": 10, "minute": 47}
